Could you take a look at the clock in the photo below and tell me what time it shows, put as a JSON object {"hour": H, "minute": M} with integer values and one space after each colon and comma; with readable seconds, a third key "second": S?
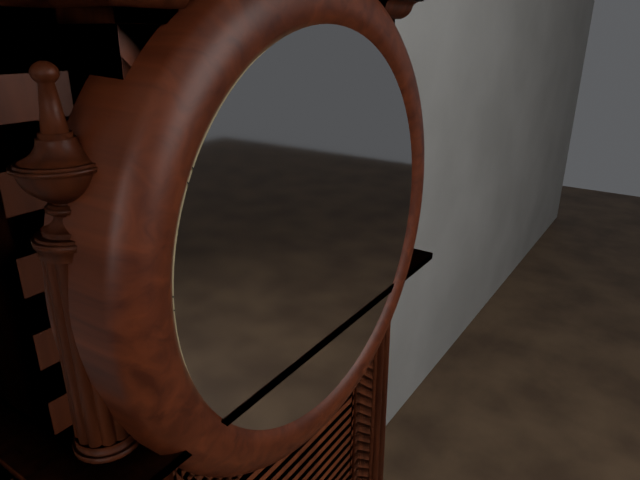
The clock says {"hour": 5, "minute": 0}
